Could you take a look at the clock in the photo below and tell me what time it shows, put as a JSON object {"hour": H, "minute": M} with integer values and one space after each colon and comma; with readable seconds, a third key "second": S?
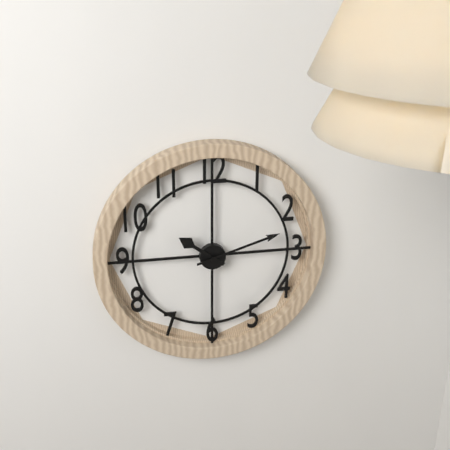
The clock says {"hour": 10, "minute": 12}
